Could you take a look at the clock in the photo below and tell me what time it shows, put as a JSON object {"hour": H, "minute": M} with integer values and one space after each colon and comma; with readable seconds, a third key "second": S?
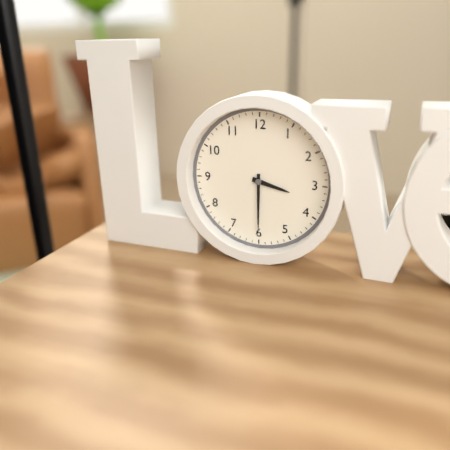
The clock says {"hour": 3, "minute": 30}
